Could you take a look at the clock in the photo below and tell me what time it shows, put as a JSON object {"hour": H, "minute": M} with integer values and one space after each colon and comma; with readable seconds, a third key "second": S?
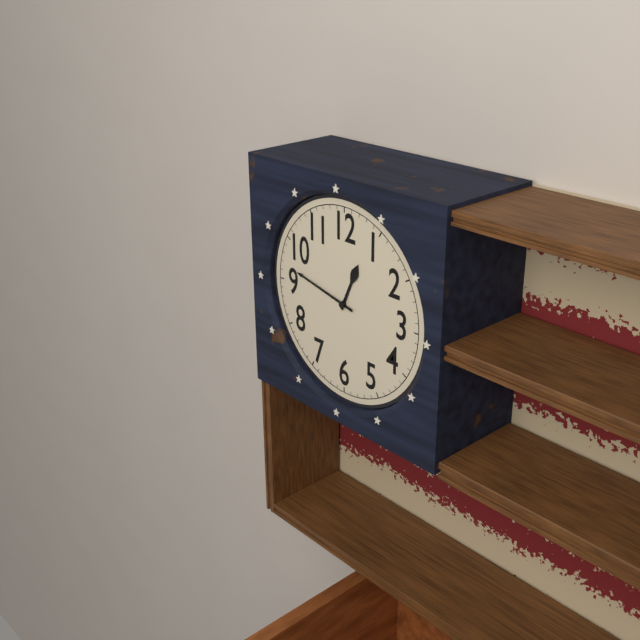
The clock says {"hour": 12, "minute": 47}
